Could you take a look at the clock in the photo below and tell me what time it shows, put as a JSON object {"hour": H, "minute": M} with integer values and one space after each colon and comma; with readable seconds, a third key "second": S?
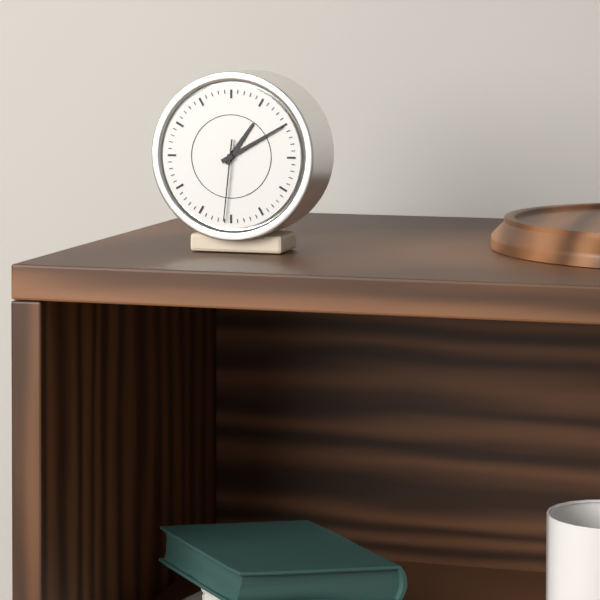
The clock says {"hour": 1, "minute": 10, "second": 31}
